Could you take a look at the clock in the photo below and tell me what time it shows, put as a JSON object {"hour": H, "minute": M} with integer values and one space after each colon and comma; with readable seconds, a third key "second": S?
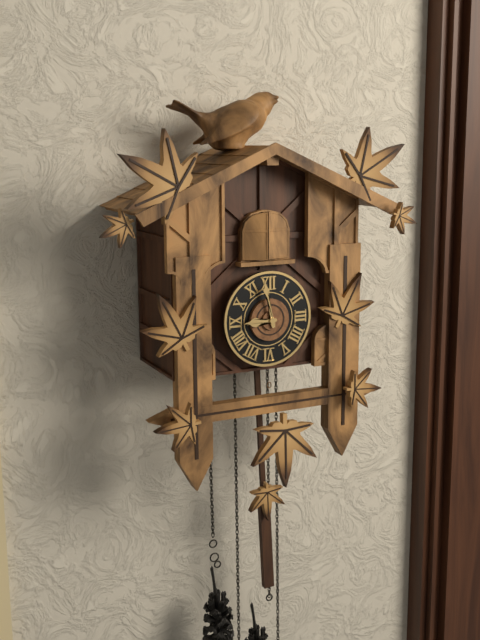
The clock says {"hour": 8, "minute": 58}
